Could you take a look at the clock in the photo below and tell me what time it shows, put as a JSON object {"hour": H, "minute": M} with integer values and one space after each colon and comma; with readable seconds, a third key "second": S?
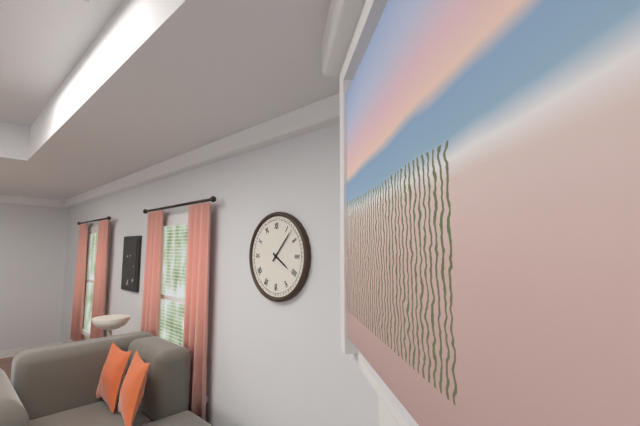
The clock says {"hour": 4, "minute": 7}
